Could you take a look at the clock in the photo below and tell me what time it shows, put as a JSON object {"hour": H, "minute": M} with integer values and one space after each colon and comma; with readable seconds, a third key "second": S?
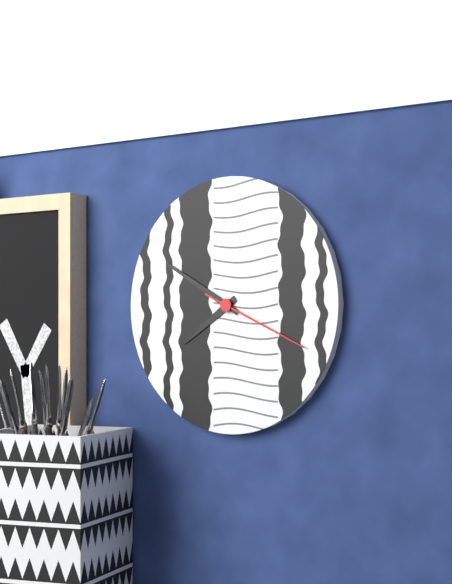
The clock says {"hour": 7, "minute": 50, "second": 19}
